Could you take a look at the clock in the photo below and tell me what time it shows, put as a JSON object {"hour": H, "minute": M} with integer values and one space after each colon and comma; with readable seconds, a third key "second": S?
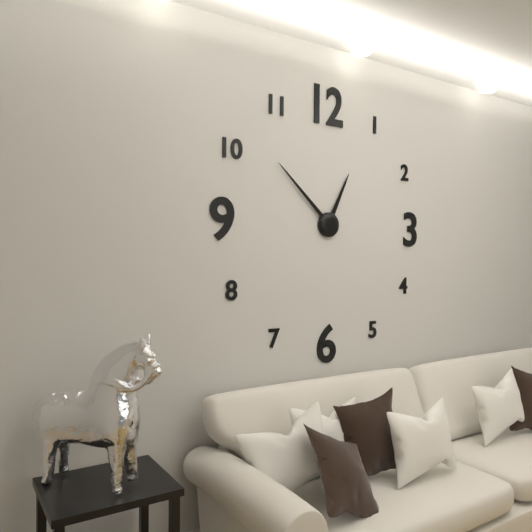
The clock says {"hour": 12, "minute": 52}
